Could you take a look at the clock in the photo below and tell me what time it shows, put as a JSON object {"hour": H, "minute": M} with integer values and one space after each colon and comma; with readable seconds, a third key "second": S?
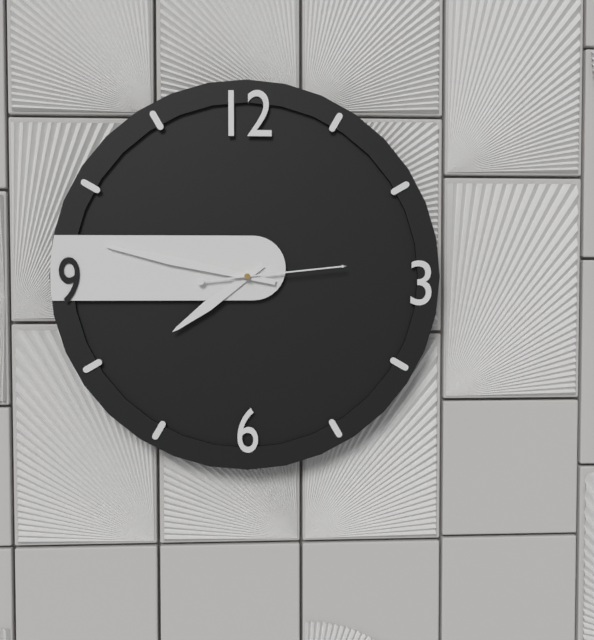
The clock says {"hour": 7, "minute": 47, "second": 14}
